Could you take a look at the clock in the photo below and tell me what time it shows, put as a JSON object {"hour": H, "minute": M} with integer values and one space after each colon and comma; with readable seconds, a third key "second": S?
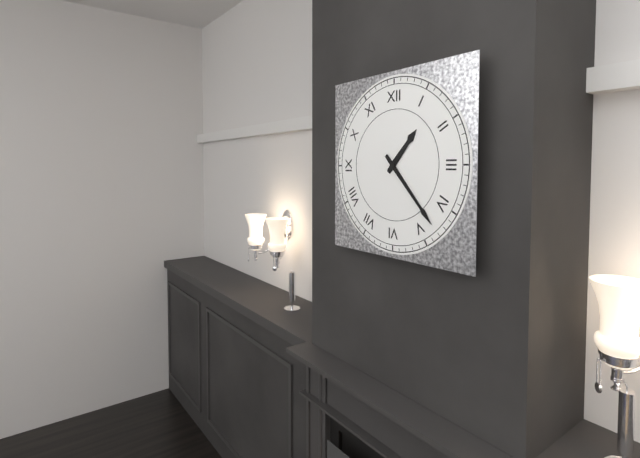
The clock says {"hour": 1, "minute": 23}
